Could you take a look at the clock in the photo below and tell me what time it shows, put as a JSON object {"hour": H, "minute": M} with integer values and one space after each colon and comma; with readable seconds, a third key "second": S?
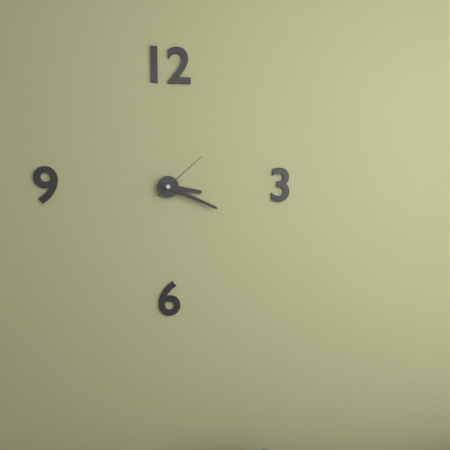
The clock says {"hour": 3, "minute": 19, "second": 8}
